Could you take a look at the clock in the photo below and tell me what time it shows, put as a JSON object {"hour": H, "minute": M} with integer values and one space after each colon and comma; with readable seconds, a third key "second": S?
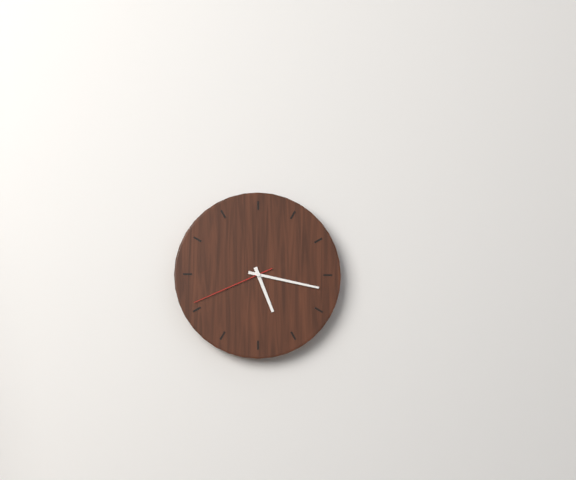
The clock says {"hour": 5, "minute": 17, "second": 41}
